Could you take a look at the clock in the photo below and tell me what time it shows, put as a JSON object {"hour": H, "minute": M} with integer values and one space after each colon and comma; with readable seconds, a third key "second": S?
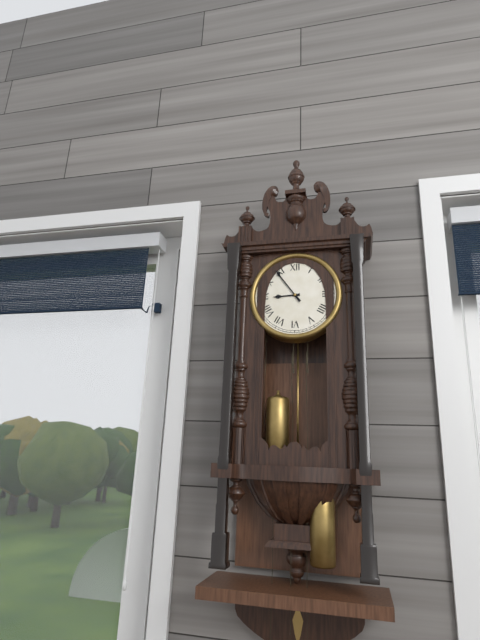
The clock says {"hour": 8, "minute": 54}
